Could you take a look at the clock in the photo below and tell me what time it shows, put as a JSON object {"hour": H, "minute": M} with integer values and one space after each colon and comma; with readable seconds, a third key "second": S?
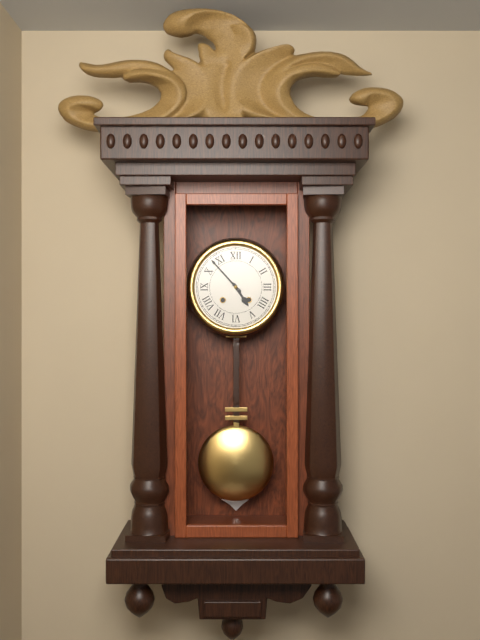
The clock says {"hour": 4, "minute": 53}
